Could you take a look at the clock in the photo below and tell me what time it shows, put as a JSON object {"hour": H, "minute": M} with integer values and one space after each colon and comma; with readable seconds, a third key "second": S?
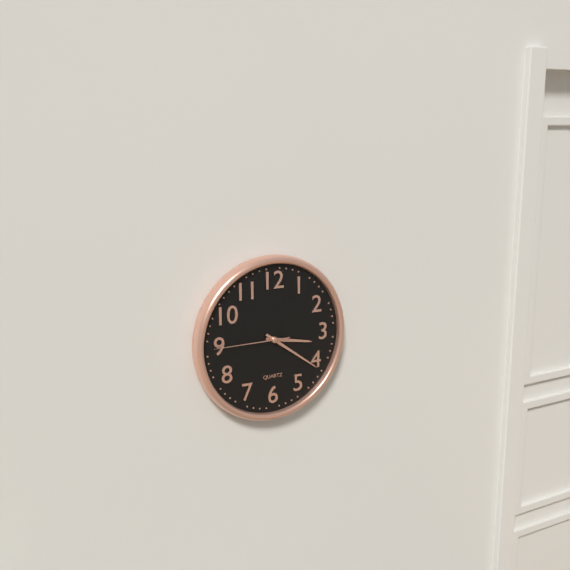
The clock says {"hour": 3, "minute": 21, "second": 45}
